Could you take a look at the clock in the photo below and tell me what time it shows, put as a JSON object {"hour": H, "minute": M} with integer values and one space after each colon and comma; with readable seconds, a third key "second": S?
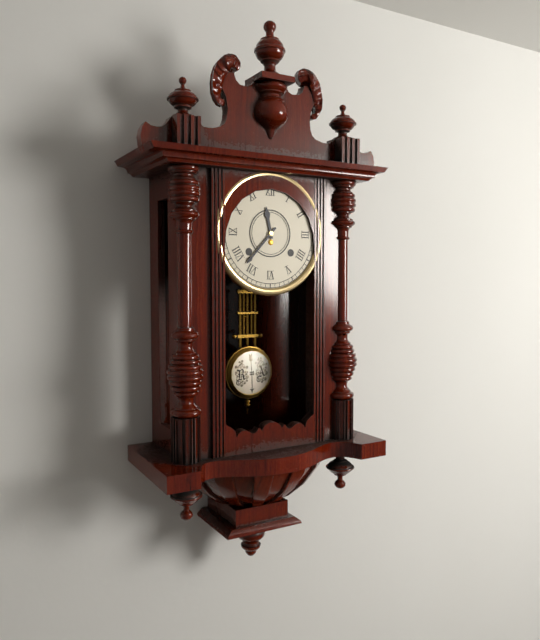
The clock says {"hour": 11, "minute": 37}
